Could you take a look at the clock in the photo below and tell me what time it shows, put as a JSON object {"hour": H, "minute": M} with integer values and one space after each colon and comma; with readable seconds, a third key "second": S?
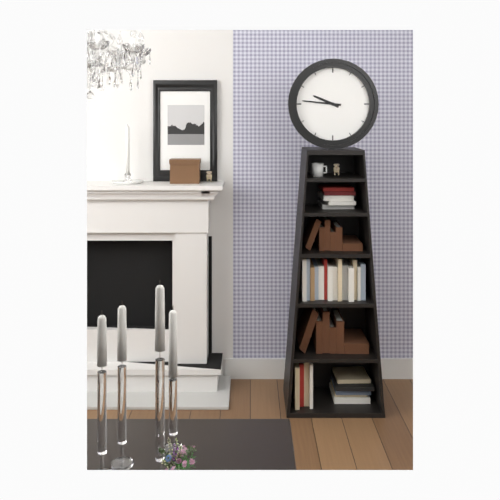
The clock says {"hour": 9, "minute": 46}
